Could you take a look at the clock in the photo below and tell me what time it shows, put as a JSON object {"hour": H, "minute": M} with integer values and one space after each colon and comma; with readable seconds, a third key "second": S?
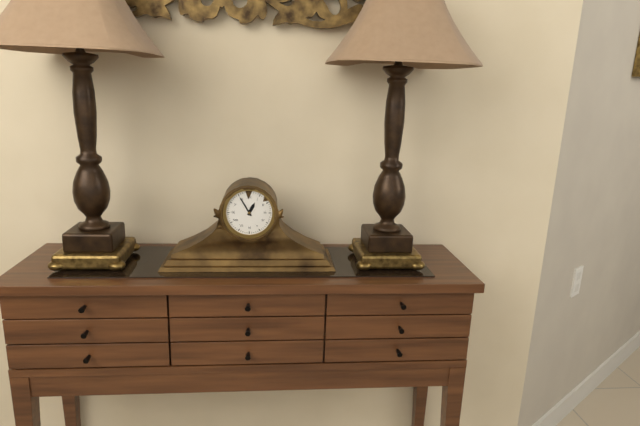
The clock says {"hour": 12, "minute": 55}
